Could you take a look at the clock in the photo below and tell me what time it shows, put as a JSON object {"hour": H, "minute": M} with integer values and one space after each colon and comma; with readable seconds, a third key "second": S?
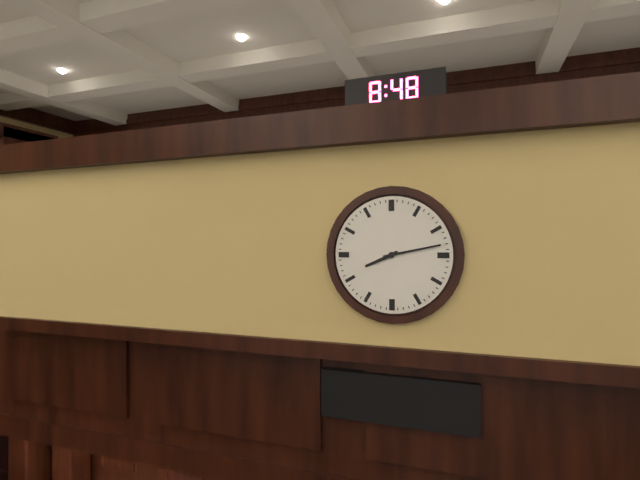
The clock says {"hour": 8, "minute": 13}
